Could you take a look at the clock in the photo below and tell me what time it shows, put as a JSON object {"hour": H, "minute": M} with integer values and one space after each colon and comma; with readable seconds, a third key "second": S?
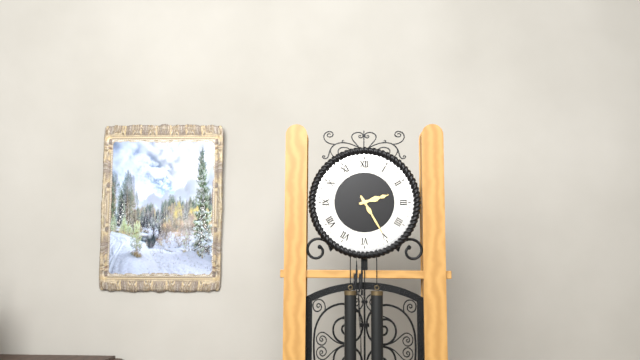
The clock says {"hour": 2, "minute": 25}
